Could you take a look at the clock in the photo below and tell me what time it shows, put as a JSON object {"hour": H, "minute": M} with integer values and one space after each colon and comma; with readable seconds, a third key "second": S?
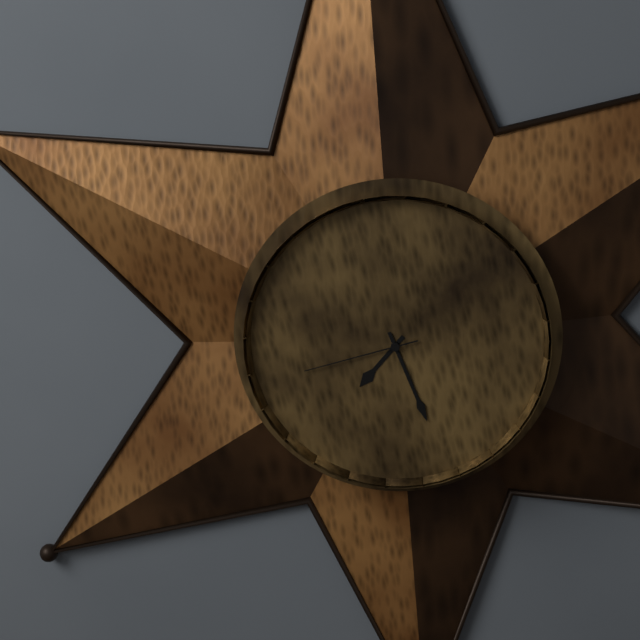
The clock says {"hour": 7, "minute": 27, "second": 43}
